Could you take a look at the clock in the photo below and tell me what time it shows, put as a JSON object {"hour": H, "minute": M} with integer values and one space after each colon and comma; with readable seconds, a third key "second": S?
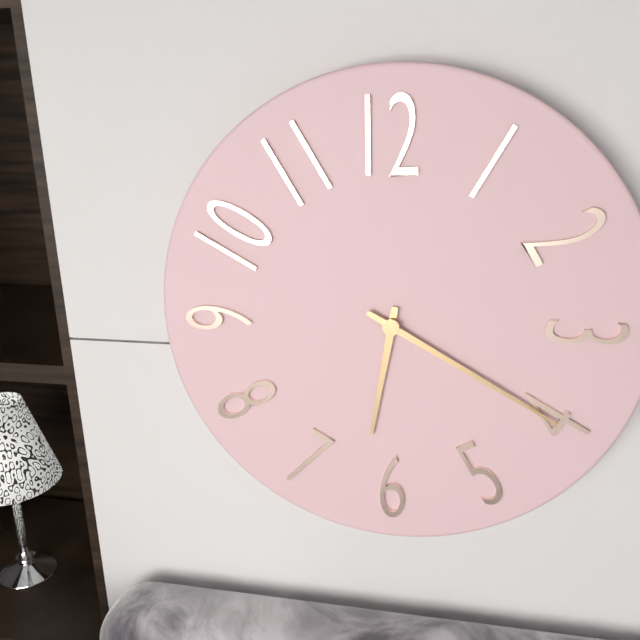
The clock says {"hour": 6, "minute": 20}
